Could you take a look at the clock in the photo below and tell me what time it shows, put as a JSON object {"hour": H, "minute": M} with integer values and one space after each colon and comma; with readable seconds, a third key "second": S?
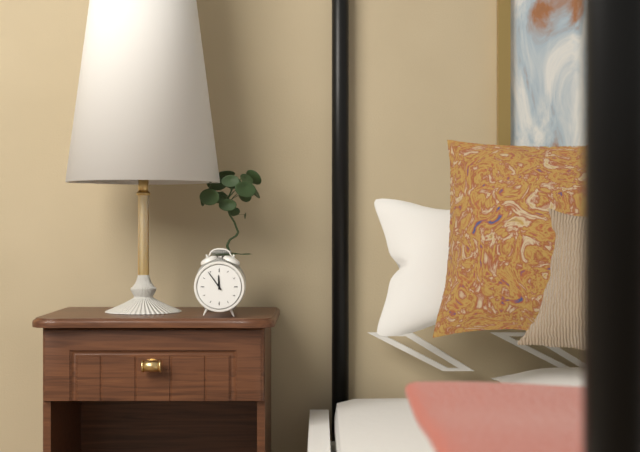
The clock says {"hour": 11, "minute": 54}
